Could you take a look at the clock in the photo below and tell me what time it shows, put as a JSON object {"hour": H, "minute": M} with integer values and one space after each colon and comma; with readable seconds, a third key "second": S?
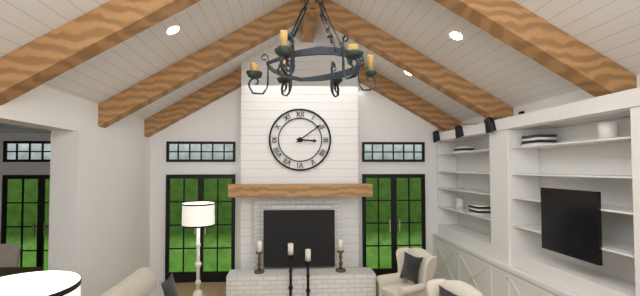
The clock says {"hour": 3, "minute": 9}
